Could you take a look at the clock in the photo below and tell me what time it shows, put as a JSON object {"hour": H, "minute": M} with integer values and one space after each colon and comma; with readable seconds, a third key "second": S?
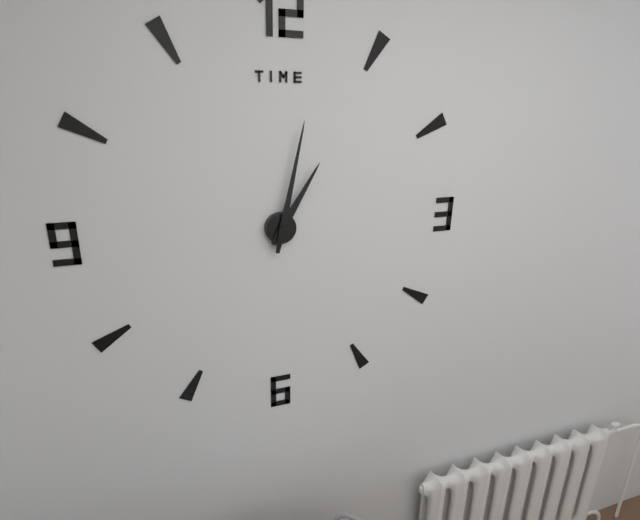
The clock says {"hour": 1, "minute": 2}
